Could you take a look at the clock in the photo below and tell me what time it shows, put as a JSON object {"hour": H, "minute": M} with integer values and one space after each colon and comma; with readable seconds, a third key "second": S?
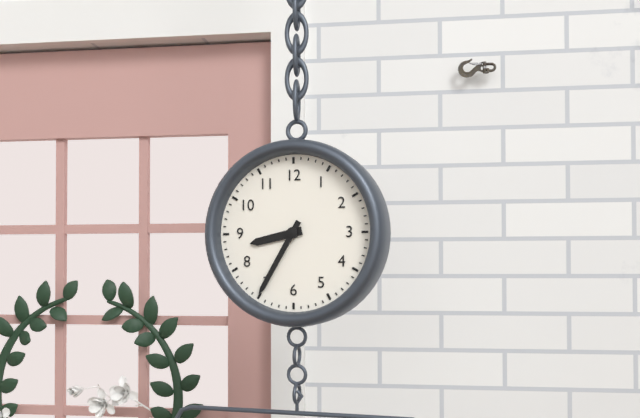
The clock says {"hour": 8, "minute": 35}
